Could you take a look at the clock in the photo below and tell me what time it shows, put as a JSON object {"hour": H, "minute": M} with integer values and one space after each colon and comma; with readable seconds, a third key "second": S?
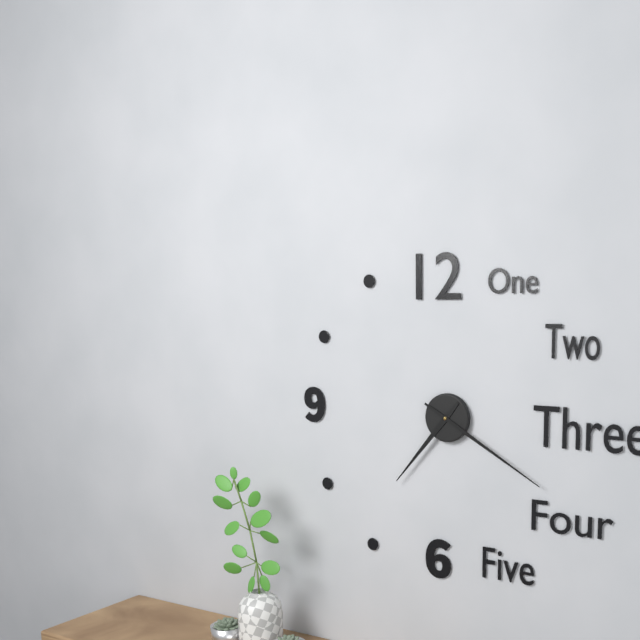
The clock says {"hour": 7, "minute": 20}
